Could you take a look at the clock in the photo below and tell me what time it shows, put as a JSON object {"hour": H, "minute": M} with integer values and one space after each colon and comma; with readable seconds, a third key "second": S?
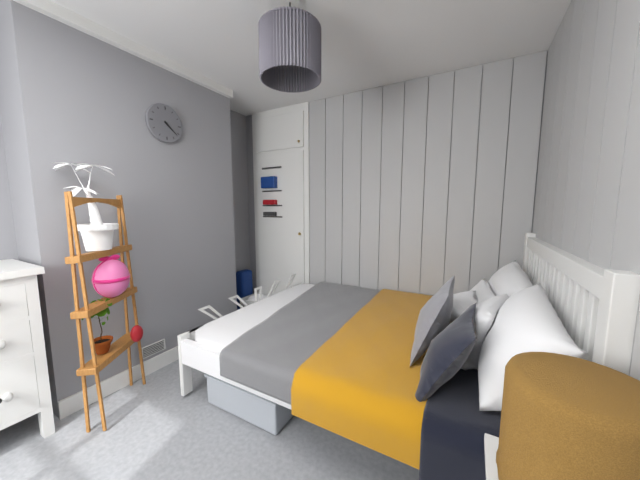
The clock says {"hour": 4, "minute": 22}
